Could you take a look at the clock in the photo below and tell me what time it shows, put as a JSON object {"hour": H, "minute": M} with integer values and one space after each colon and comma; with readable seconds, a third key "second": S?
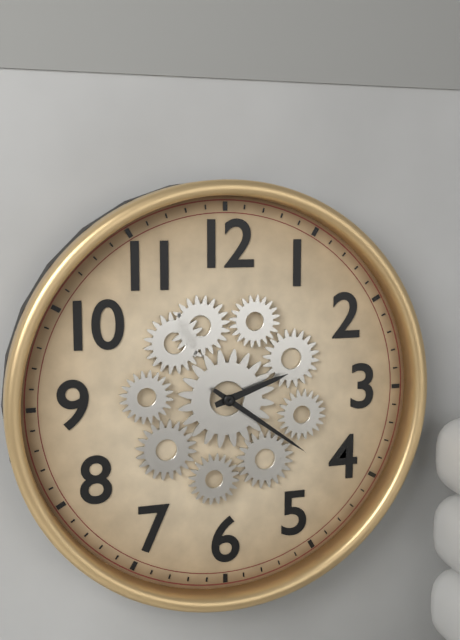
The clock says {"hour": 2, "minute": 21}
